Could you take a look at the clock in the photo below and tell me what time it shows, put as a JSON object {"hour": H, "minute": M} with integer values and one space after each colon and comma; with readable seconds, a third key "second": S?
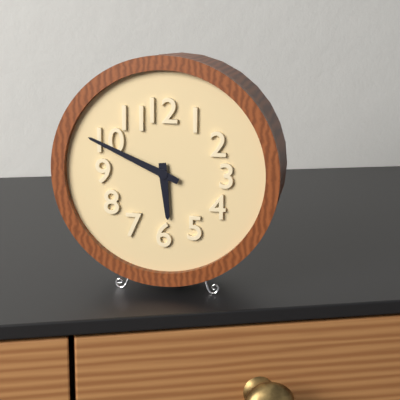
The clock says {"hour": 5, "minute": 49}
